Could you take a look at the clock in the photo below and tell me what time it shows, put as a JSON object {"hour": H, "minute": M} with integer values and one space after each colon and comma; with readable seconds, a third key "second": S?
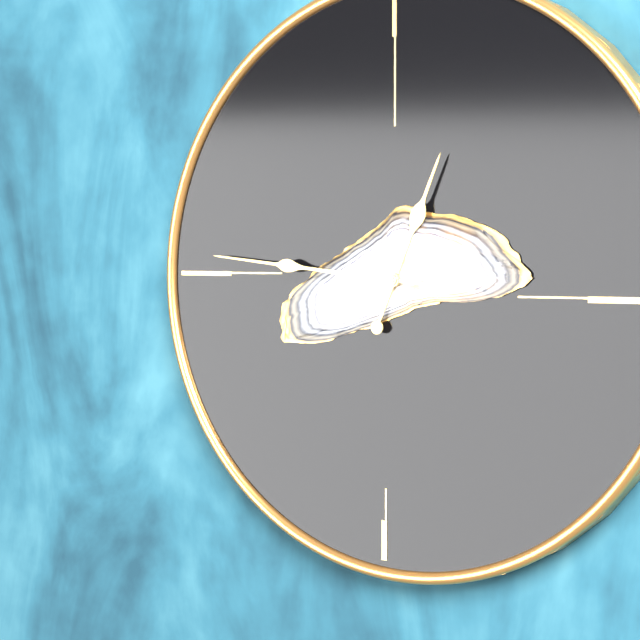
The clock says {"hour": 12, "minute": 46}
